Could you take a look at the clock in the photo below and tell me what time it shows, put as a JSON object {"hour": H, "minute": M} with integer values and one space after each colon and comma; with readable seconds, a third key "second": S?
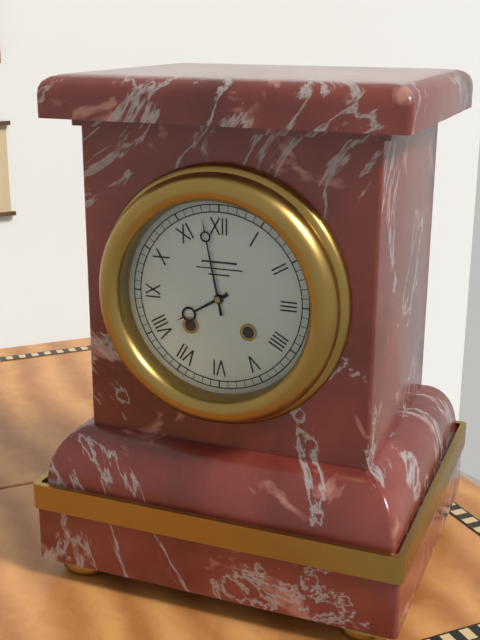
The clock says {"hour": 7, "minute": 58}
